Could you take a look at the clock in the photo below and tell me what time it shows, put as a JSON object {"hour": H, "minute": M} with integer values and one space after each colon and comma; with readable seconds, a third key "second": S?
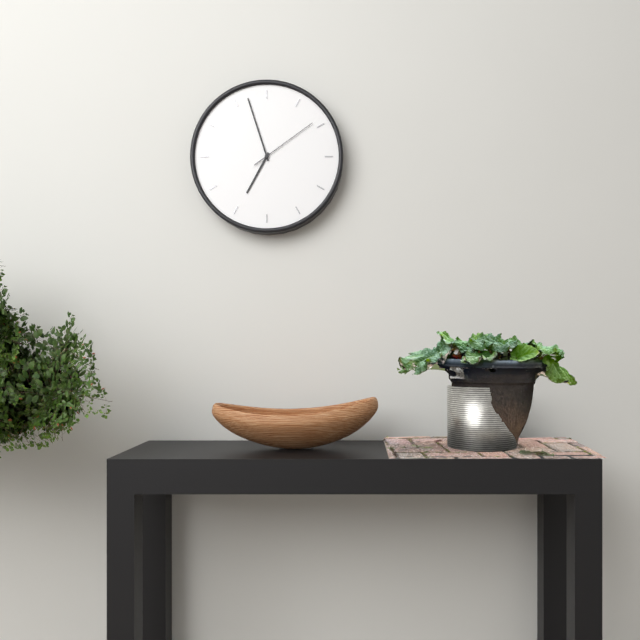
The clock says {"hour": 6, "minute": 57, "second": 9}
